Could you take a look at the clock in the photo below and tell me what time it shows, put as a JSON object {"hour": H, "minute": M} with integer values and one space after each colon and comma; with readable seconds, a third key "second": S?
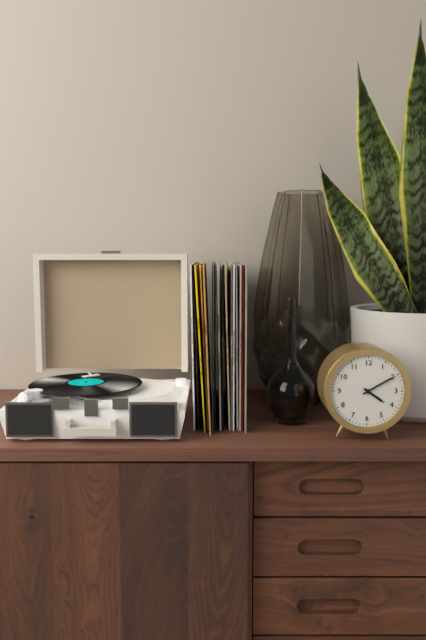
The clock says {"hour": 4, "minute": 10}
